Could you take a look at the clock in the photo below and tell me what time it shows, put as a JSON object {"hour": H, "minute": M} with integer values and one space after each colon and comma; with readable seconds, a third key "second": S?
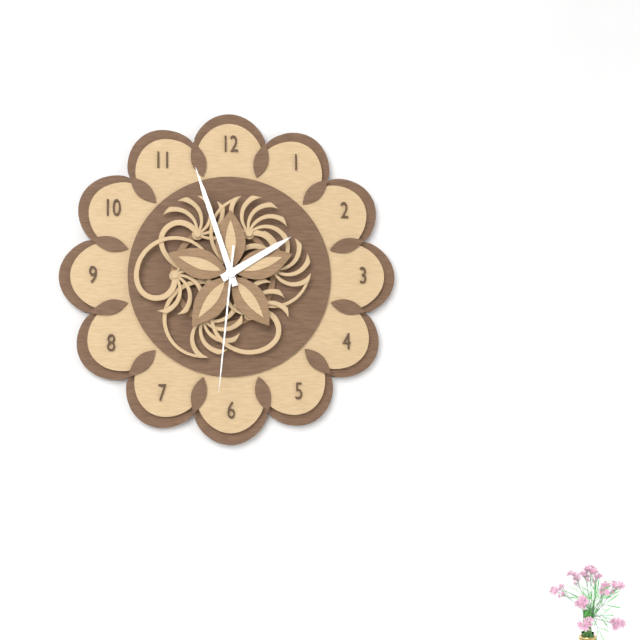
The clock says {"hour": 1, "minute": 57, "second": 31}
